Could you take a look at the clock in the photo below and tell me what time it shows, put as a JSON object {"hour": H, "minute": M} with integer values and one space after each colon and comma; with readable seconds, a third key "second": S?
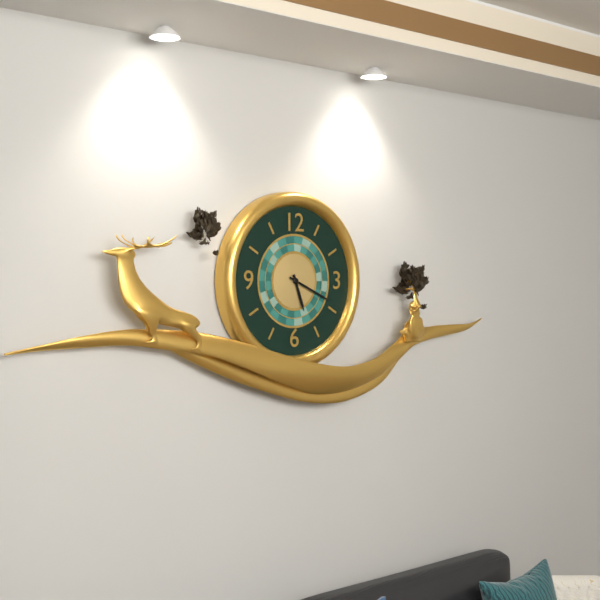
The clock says {"hour": 5, "minute": 19}
